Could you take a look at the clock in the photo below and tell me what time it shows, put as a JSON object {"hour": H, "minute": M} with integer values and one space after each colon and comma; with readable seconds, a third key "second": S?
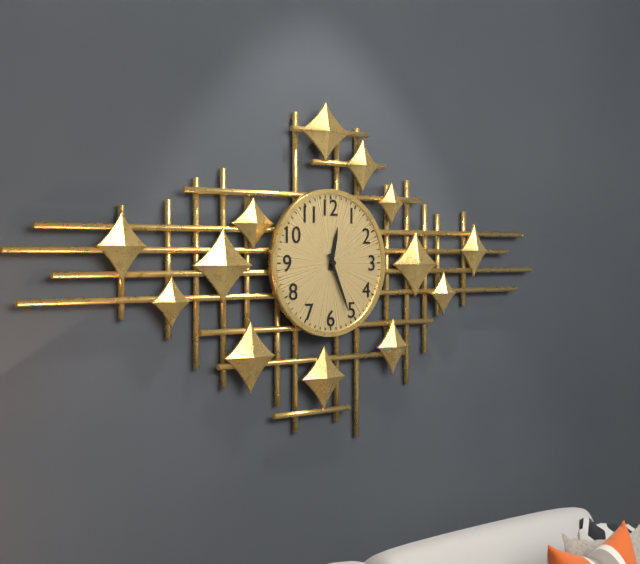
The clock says {"hour": 12, "minute": 26}
